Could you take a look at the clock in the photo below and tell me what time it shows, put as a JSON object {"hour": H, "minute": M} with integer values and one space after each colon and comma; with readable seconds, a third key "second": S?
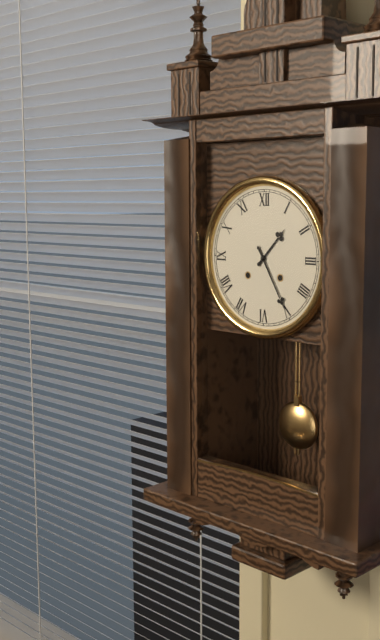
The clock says {"hour": 1, "minute": 25}
